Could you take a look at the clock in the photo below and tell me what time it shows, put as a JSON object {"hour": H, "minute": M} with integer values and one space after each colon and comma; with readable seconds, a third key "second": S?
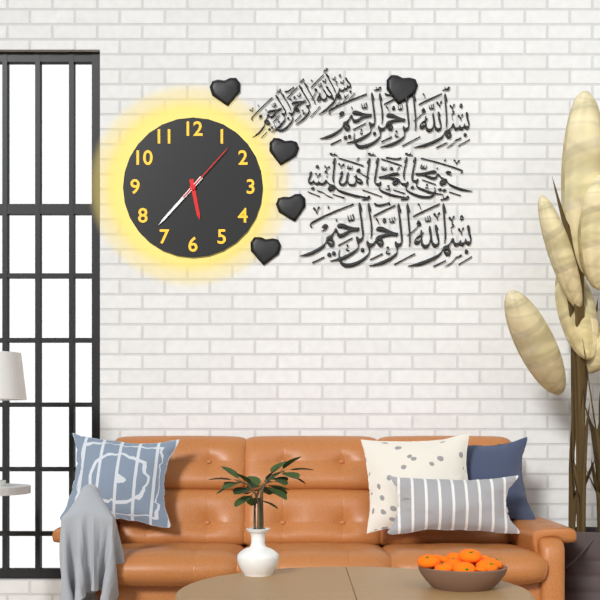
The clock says {"hour": 5, "minute": 37, "second": 7}
